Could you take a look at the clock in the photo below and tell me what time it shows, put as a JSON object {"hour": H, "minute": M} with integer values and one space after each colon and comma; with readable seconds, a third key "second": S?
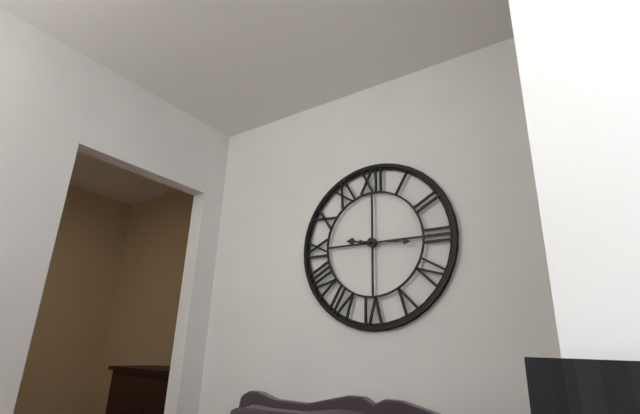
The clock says {"hour": 9, "minute": 16}
